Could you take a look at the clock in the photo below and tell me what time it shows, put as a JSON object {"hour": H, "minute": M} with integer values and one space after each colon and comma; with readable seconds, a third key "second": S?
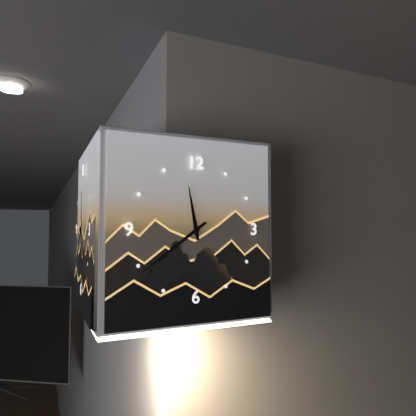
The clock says {"hour": 11, "minute": 39}
